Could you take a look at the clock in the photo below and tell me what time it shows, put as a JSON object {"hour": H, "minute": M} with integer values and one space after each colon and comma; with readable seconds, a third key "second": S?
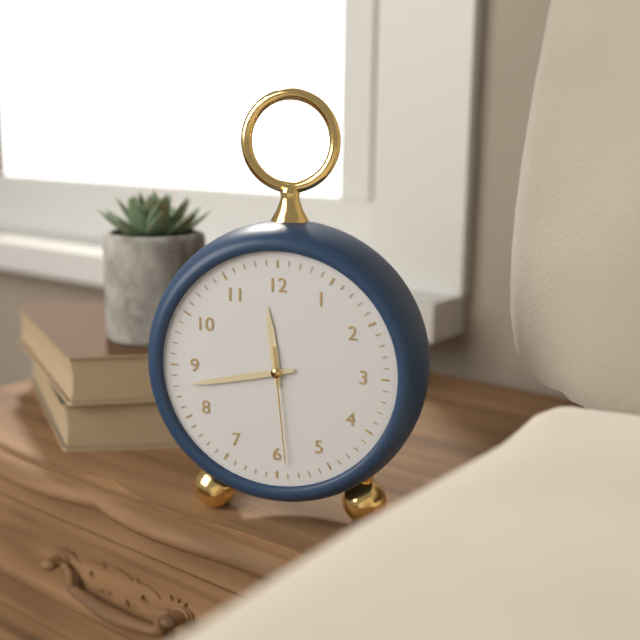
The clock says {"hour": 11, "minute": 43, "second": 29}
